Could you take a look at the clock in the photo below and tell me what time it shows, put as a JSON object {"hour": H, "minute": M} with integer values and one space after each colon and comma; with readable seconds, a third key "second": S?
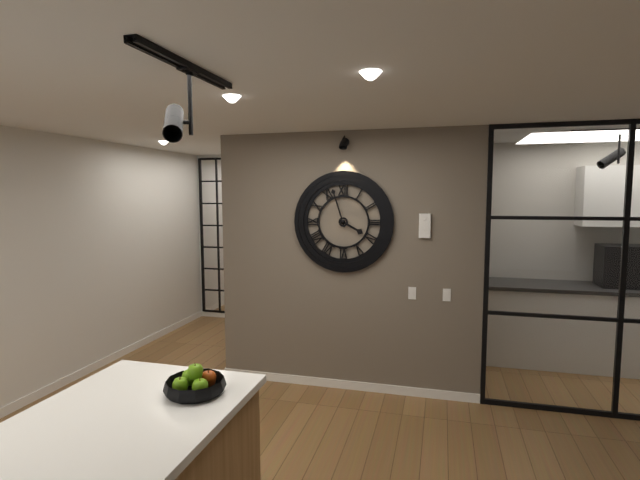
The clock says {"hour": 3, "minute": 57}
